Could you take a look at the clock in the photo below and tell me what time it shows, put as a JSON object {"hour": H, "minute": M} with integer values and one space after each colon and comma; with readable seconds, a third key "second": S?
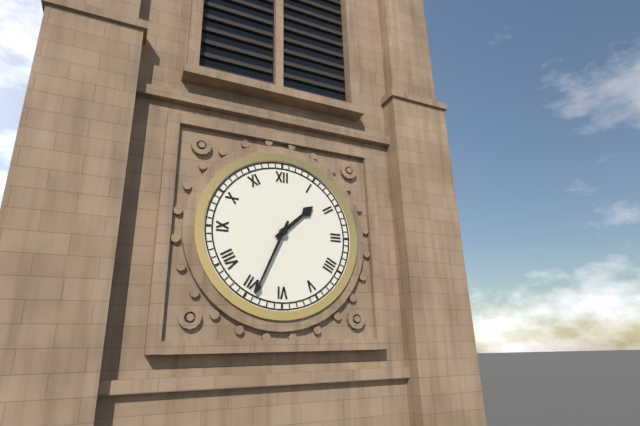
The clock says {"hour": 1, "minute": 34}
